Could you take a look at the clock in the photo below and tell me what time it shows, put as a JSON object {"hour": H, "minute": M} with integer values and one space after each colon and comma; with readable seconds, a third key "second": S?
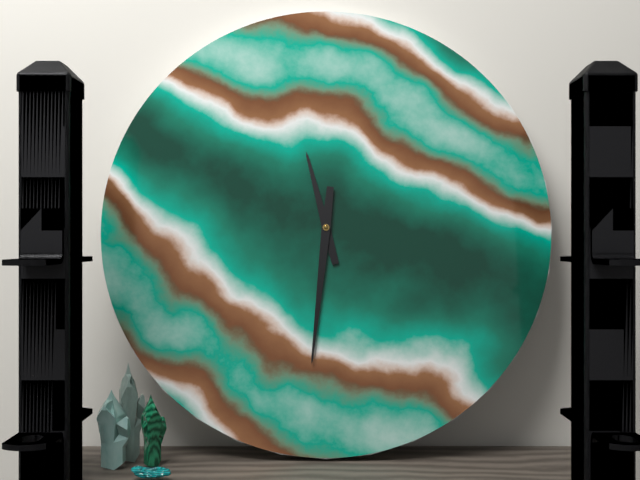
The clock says {"hour": 11, "minute": 31}
